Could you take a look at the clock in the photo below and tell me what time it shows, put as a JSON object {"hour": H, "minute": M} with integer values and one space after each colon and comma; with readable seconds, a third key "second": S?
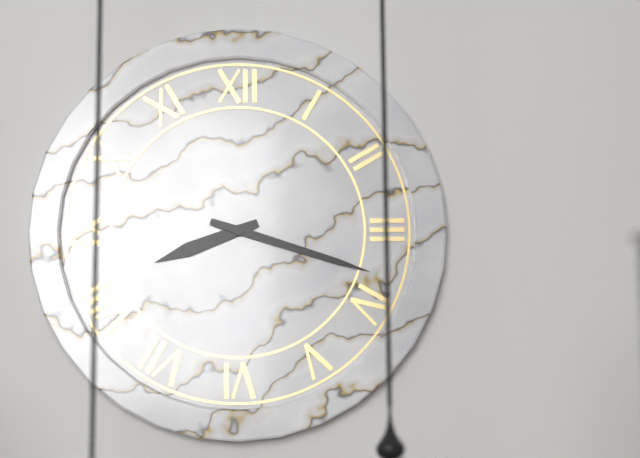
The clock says {"hour": 8, "minute": 18}
